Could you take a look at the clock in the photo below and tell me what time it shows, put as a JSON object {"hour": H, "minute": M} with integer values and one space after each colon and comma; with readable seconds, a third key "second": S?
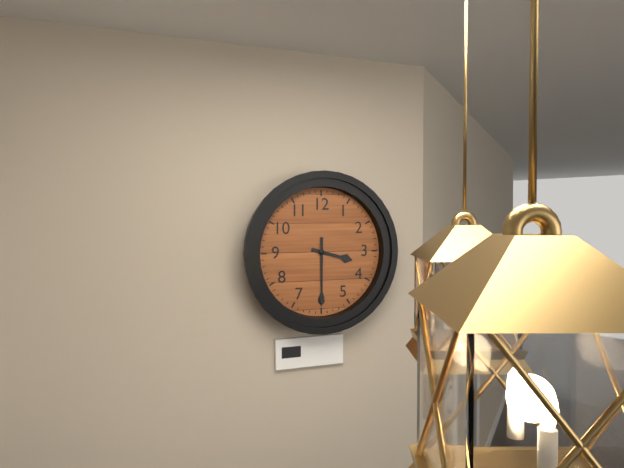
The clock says {"hour": 3, "minute": 30}
